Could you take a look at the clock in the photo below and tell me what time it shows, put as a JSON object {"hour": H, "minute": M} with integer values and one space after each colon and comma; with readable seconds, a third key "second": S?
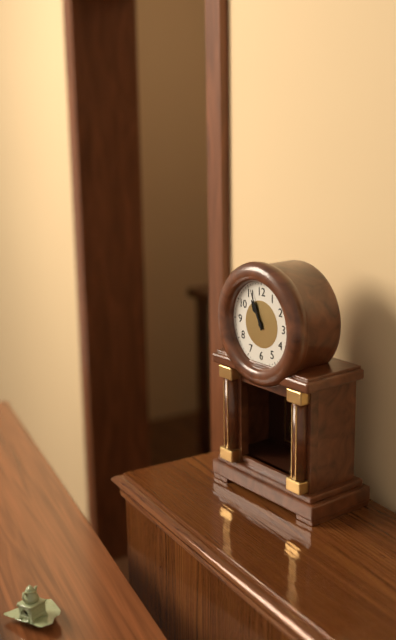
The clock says {"hour": 10, "minute": 56}
